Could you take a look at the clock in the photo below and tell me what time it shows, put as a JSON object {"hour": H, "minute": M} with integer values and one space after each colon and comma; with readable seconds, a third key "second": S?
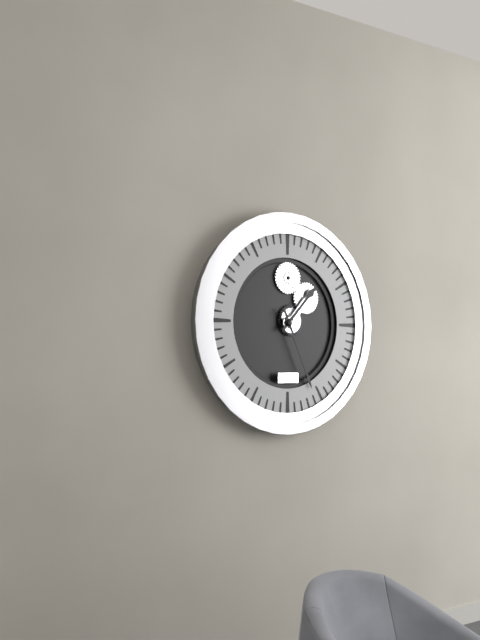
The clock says {"hour": 1, "minute": 26}
